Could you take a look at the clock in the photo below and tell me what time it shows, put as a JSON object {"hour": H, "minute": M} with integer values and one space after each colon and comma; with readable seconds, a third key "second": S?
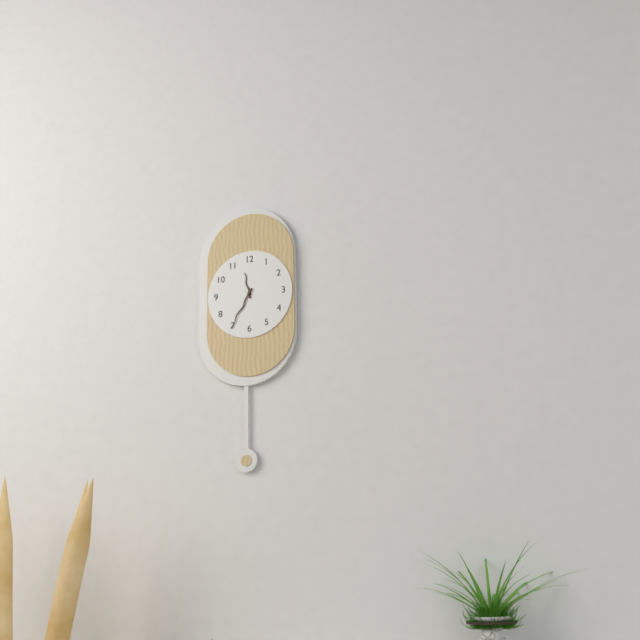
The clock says {"hour": 11, "minute": 35}
